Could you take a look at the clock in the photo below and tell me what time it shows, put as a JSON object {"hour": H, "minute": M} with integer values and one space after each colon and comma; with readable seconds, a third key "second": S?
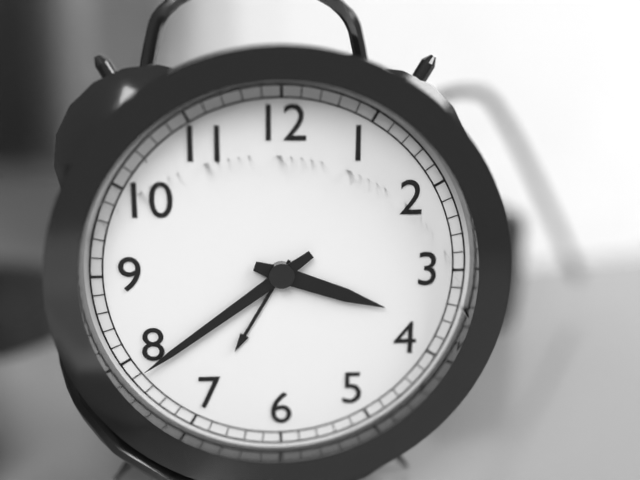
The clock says {"hour": 3, "minute": 39}
